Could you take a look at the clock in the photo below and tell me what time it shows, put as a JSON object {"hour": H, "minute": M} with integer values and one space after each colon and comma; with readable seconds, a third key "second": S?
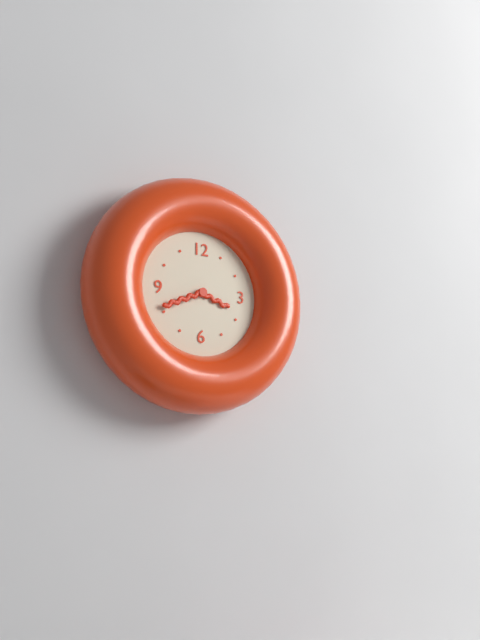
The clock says {"hour": 3, "minute": 41}
